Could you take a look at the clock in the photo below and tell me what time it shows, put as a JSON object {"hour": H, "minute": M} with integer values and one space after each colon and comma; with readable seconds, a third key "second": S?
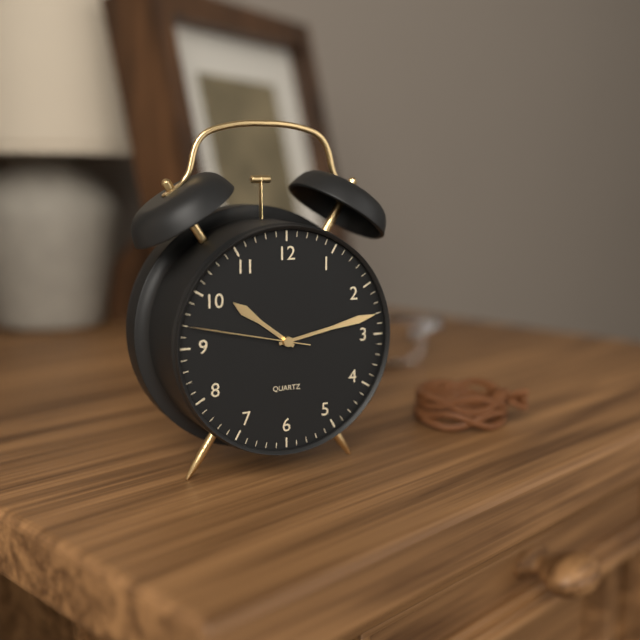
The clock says {"hour": 10, "minute": 13, "second": 47}
